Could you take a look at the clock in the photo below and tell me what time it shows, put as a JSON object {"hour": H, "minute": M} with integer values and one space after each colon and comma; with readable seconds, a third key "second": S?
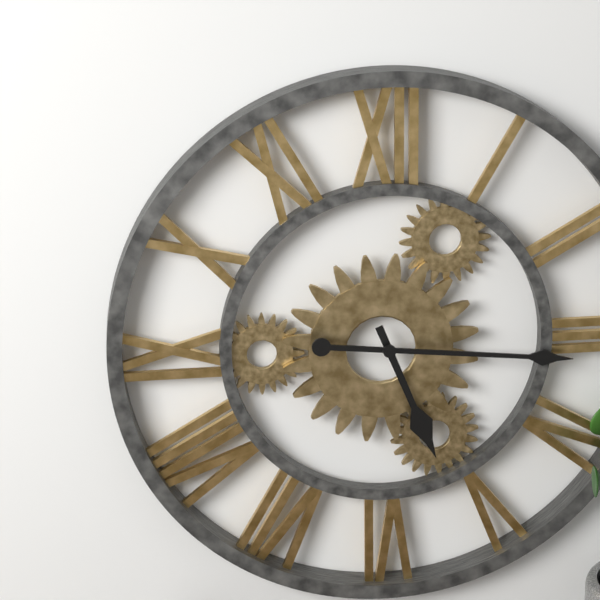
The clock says {"hour": 5, "minute": 16}
